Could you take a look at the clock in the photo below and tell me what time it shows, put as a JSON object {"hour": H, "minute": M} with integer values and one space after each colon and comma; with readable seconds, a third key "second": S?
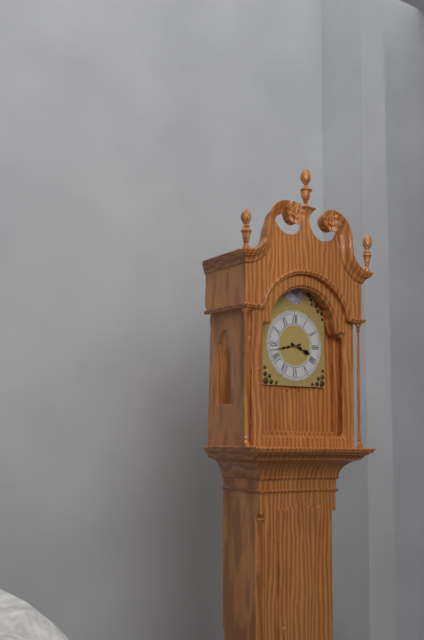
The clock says {"hour": 3, "minute": 43}
